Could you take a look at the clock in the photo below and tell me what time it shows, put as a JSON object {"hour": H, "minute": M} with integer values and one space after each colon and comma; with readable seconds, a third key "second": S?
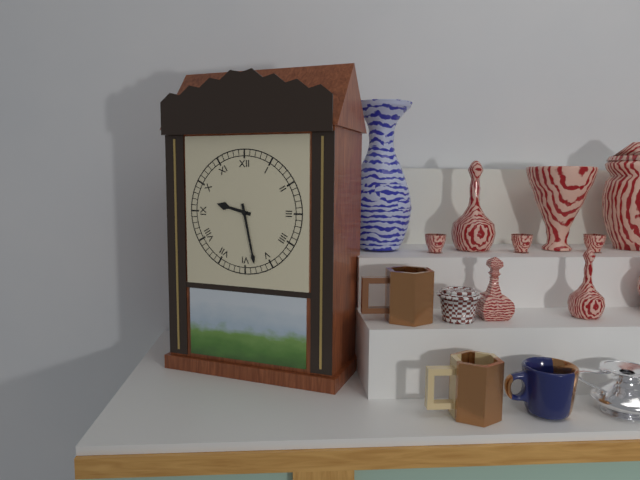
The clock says {"hour": 9, "minute": 28}
